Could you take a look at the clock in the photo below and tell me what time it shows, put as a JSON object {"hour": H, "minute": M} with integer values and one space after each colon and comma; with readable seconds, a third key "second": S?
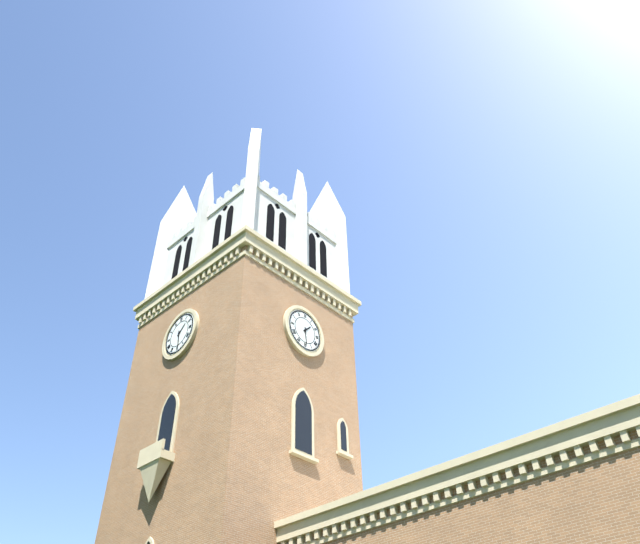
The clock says {"hour": 1, "minute": 29}
